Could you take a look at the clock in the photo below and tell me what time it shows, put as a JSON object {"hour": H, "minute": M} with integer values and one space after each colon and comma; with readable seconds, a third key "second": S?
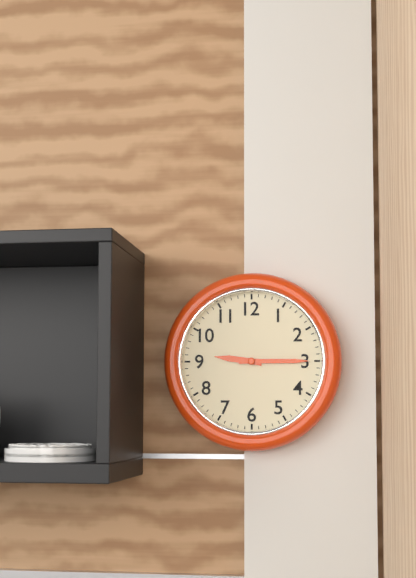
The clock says {"hour": 9, "minute": 15}
